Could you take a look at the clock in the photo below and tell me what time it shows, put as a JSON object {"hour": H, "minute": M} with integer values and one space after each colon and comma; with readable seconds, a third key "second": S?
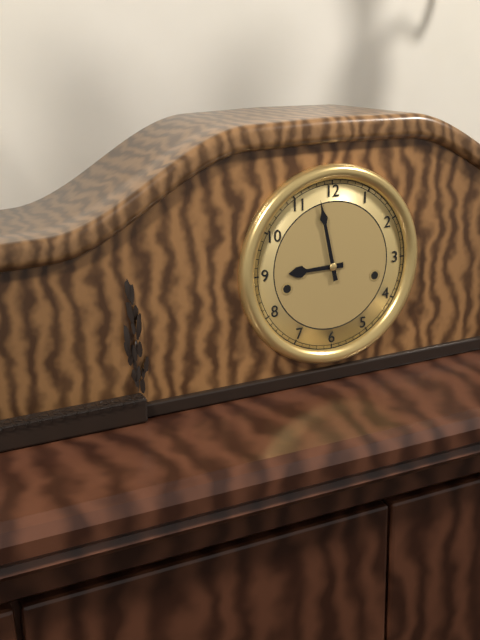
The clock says {"hour": 8, "minute": 58}
